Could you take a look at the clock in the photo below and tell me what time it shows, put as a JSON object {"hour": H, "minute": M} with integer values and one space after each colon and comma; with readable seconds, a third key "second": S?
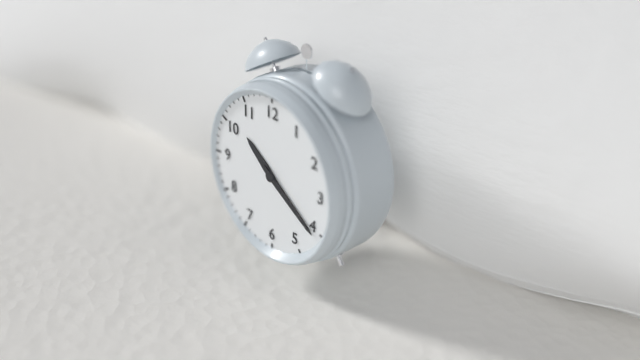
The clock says {"hour": 10, "minute": 21}
